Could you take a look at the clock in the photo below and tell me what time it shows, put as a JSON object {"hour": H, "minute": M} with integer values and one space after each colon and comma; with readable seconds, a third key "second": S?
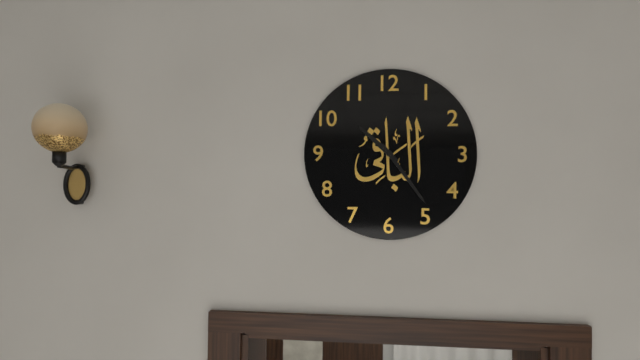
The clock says {"hour": 10, "minute": 24}
